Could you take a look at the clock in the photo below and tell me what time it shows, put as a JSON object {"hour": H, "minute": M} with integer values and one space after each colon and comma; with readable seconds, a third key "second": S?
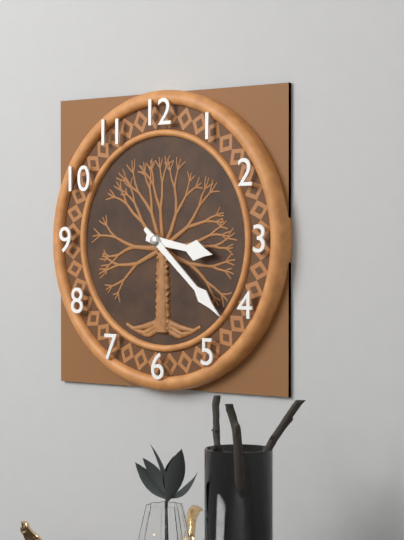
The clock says {"hour": 3, "minute": 22}
